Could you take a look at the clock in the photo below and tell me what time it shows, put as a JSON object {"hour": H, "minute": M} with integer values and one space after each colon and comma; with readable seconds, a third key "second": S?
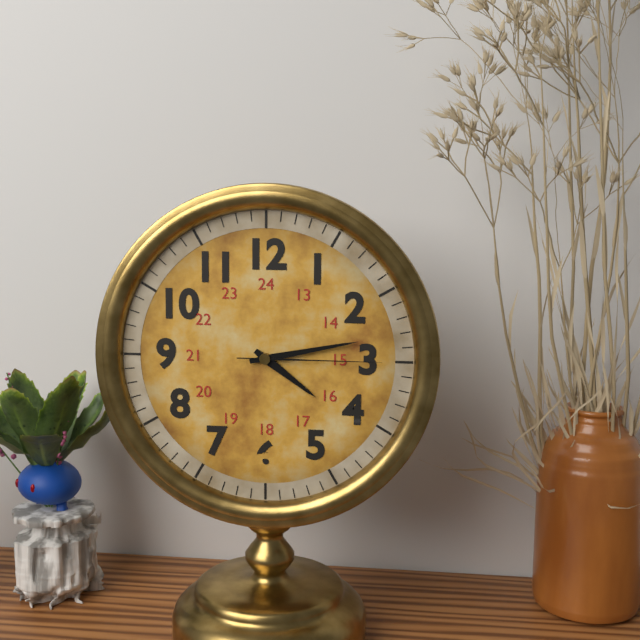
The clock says {"hour": 4, "minute": 13, "second": 15}
